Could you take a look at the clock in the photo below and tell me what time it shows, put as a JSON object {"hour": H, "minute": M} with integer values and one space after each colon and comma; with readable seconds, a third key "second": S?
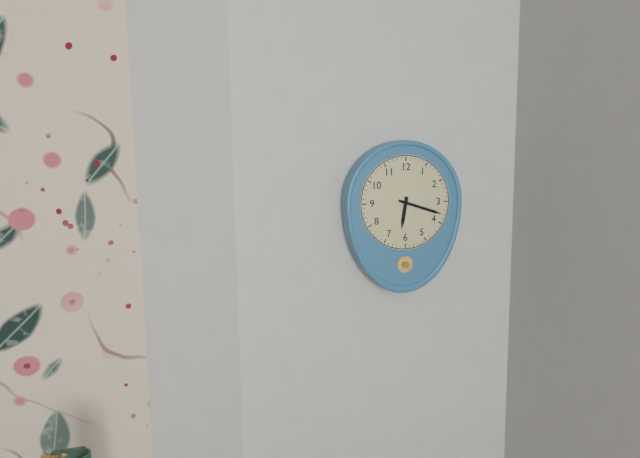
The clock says {"hour": 6, "minute": 18}
